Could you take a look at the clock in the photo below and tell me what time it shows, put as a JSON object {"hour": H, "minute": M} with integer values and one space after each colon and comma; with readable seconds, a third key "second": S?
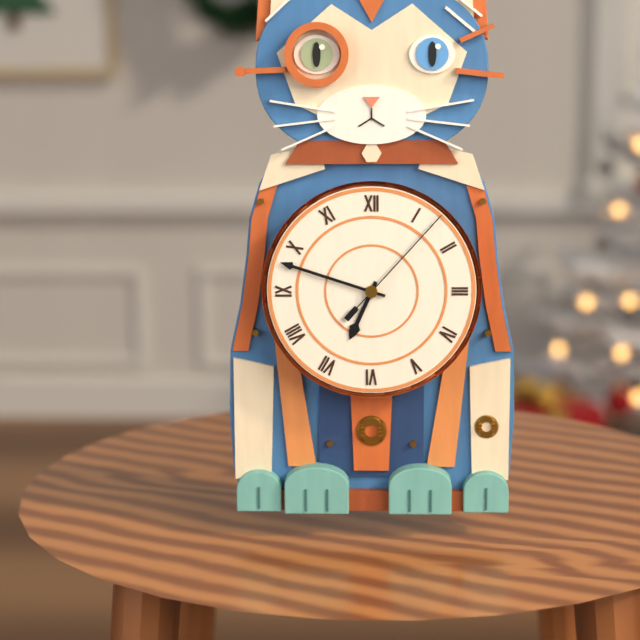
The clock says {"hour": 6, "minute": 48, "second": 7}
